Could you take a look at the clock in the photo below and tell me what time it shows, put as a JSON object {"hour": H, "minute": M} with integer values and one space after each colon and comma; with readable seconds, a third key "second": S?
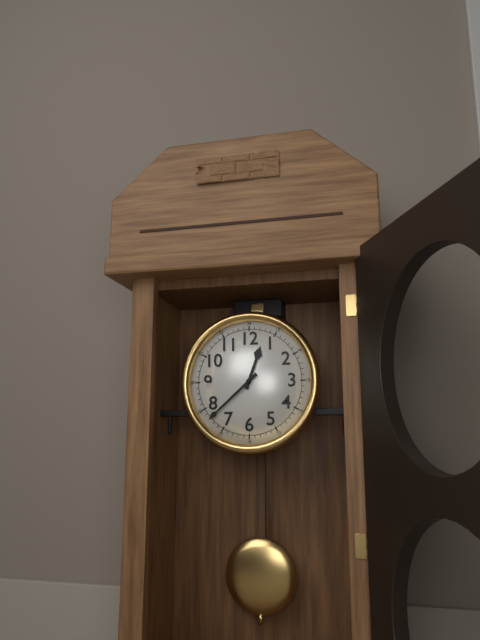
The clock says {"hour": 12, "minute": 38}
